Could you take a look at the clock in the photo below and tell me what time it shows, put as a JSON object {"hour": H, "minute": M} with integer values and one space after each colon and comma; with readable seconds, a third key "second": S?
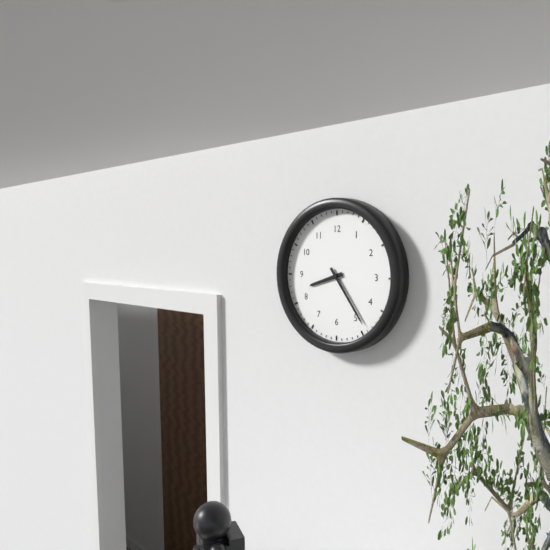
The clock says {"hour": 8, "minute": 24}
